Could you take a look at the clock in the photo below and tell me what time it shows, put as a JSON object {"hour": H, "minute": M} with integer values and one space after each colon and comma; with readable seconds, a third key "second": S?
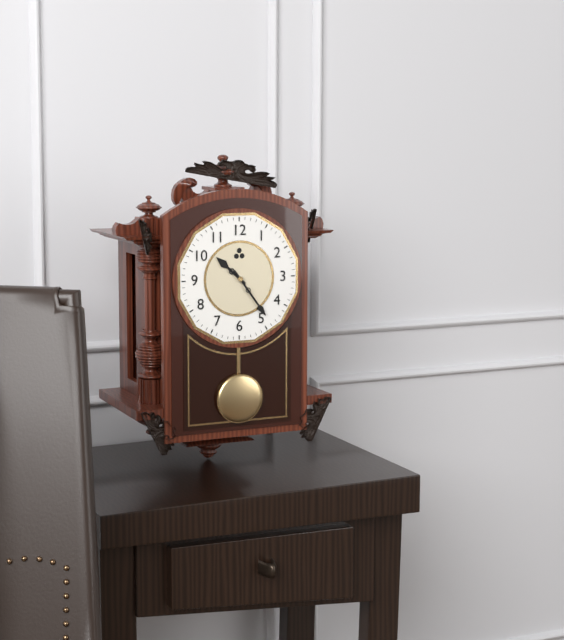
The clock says {"hour": 10, "minute": 24}
